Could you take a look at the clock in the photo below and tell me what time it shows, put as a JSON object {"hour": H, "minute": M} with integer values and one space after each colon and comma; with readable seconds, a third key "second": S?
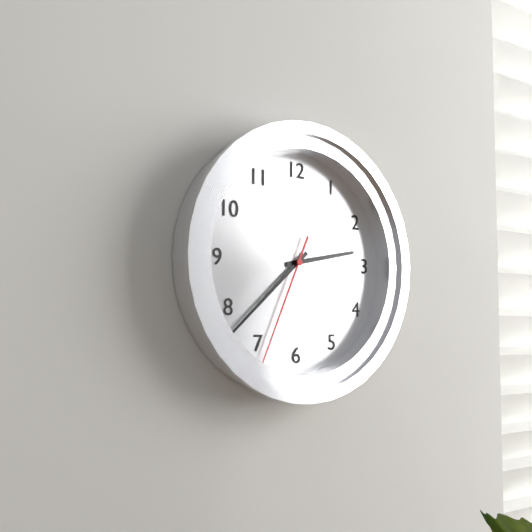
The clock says {"hour": 2, "minute": 38, "second": 34}
